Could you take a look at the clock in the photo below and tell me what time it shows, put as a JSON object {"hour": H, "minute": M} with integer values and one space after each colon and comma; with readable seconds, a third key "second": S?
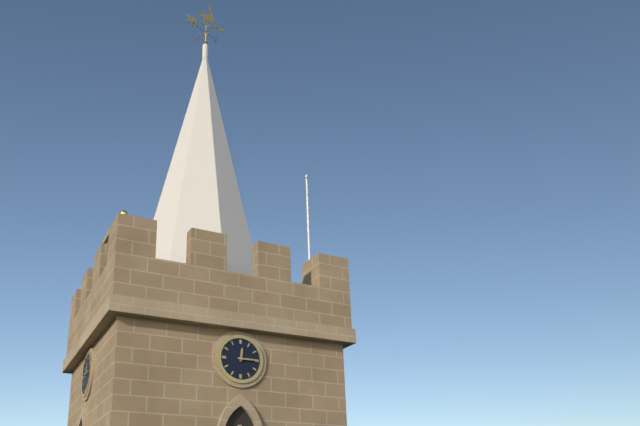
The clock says {"hour": 12, "minute": 15}
